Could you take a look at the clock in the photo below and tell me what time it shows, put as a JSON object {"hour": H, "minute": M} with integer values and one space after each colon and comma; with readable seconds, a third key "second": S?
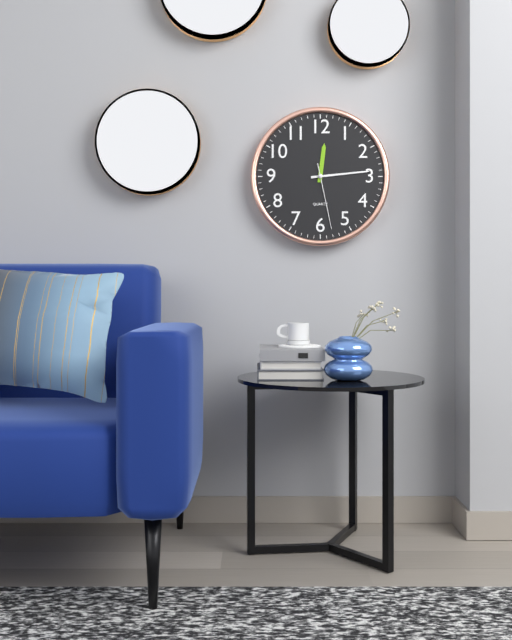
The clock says {"hour": 12, "minute": 14, "second": 28}
